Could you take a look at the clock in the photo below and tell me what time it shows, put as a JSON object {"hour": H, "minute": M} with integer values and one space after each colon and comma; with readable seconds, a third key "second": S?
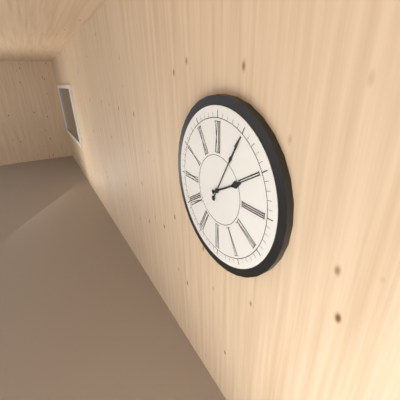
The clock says {"hour": 2, "minute": 5}
